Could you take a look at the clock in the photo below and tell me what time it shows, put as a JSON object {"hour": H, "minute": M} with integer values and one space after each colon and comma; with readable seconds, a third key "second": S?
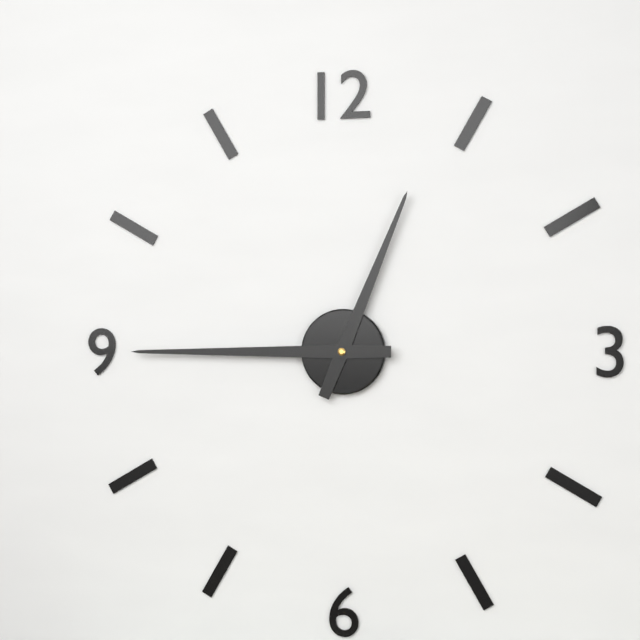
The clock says {"hour": 12, "minute": 45}
